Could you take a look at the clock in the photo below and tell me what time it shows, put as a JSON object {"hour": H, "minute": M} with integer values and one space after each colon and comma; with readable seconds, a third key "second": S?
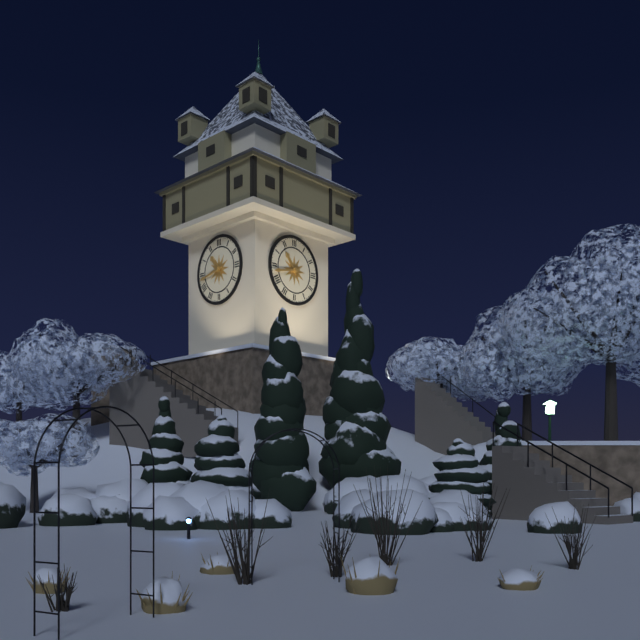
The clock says {"hour": 10, "minute": 43}
